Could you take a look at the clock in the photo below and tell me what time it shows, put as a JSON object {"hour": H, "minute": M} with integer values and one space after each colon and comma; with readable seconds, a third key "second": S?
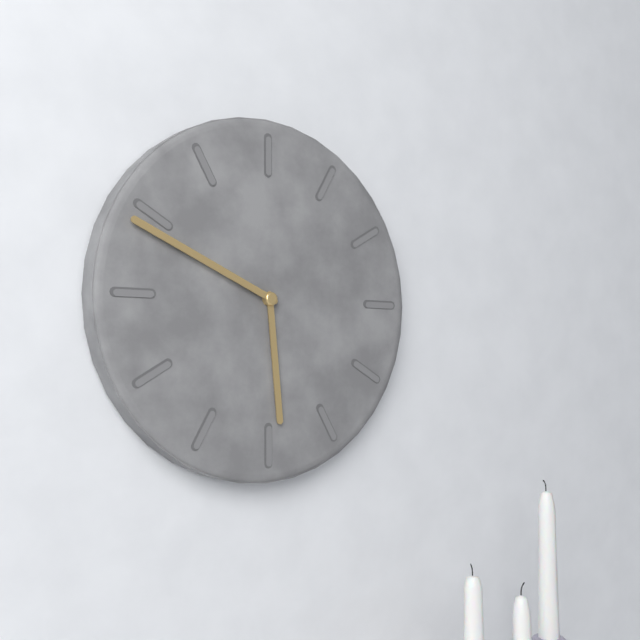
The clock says {"hour": 5, "minute": 49}
